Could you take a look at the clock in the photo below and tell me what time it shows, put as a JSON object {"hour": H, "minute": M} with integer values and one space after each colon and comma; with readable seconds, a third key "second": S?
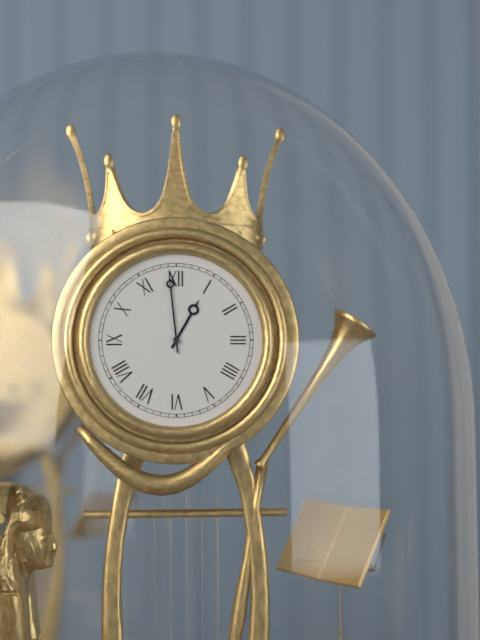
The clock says {"hour": 12, "minute": 59}
